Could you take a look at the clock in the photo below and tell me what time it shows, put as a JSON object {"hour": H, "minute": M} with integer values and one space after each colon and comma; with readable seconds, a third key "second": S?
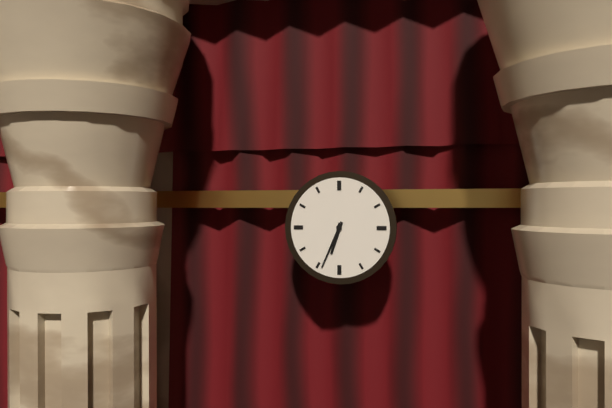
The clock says {"hour": 6, "minute": 34}
